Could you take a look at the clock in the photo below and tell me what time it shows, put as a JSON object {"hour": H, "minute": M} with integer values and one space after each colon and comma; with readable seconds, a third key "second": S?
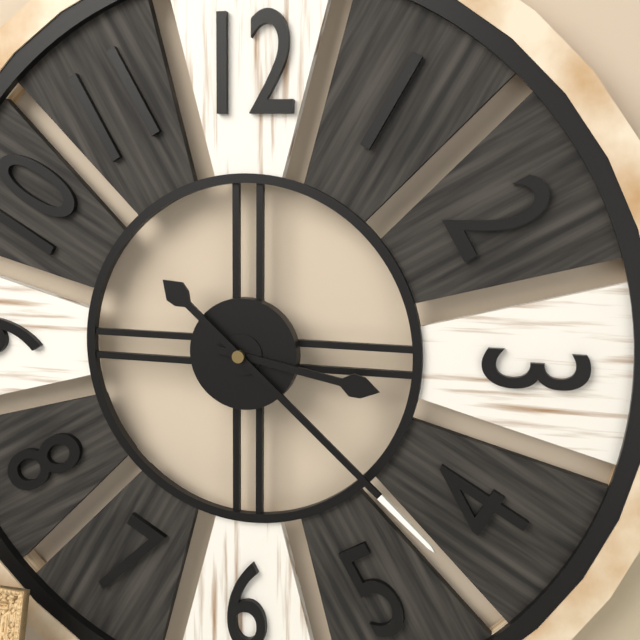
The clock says {"hour": 3, "minute": 22}
